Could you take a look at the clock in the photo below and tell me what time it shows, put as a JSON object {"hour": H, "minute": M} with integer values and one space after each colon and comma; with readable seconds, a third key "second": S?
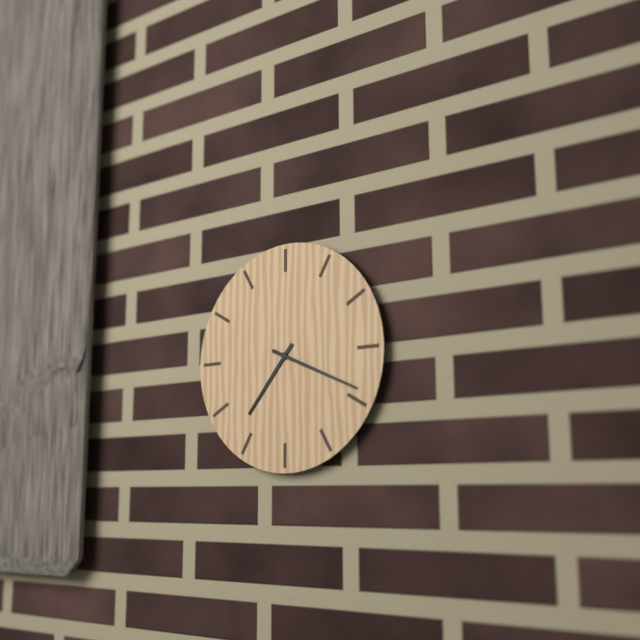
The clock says {"hour": 7, "minute": 19}
